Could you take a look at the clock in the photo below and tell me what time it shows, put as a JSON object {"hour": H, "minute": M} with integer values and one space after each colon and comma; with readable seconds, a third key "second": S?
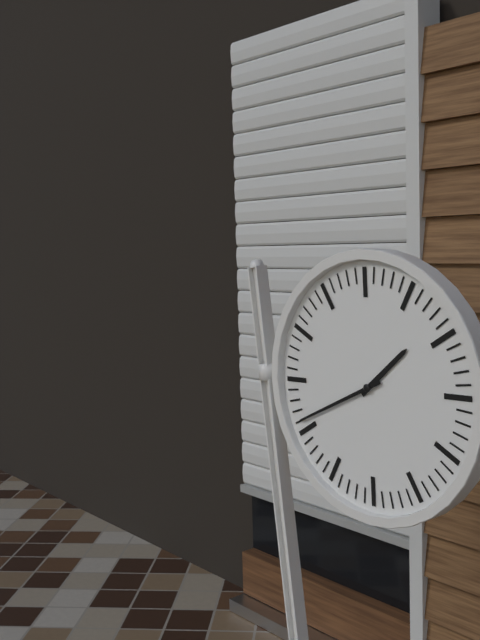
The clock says {"hour": 1, "minute": 41}
